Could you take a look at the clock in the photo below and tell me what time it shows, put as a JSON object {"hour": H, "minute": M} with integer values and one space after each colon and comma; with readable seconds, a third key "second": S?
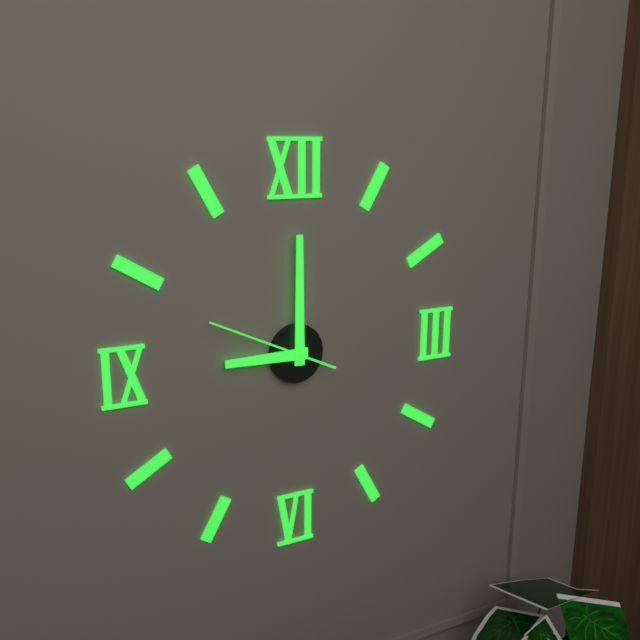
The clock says {"hour": 9, "minute": 0, "second": 49}
